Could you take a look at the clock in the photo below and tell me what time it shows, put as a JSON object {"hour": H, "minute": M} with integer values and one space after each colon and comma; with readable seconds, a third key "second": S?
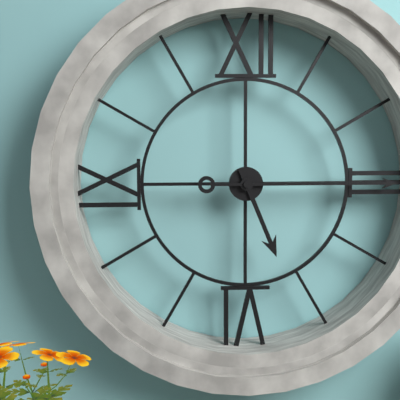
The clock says {"hour": 5, "minute": 15}
